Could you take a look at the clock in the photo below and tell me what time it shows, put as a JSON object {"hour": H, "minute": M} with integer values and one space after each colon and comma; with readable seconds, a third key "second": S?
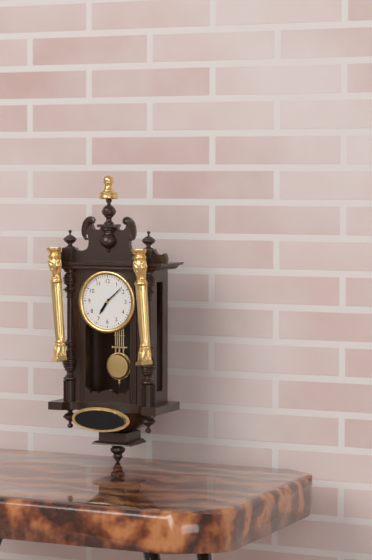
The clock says {"hour": 7, "minute": 8}
